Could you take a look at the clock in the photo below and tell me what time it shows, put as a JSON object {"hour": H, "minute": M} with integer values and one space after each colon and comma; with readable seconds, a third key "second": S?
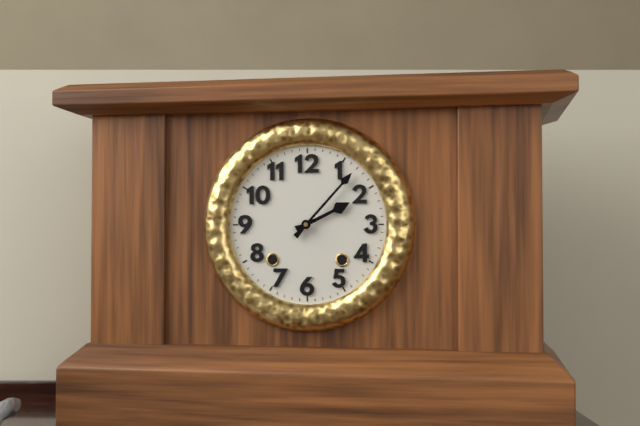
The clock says {"hour": 2, "minute": 7}
